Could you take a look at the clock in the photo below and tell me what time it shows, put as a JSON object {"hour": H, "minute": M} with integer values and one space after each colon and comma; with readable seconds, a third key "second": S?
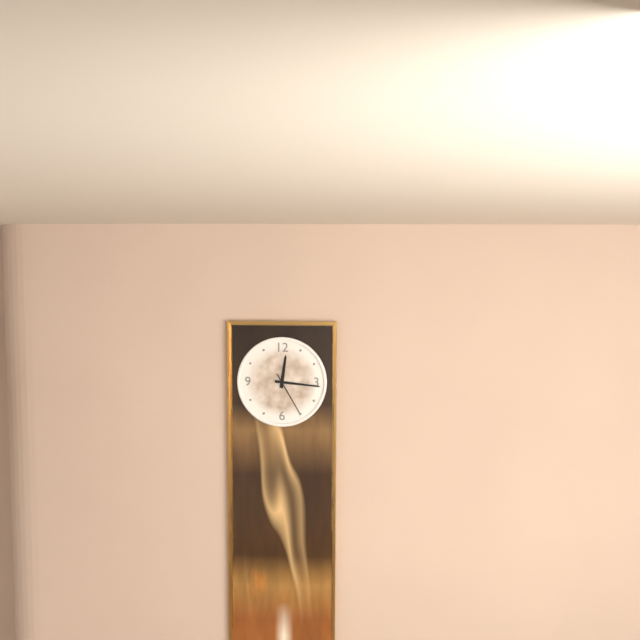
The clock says {"hour": 12, "minute": 16}
